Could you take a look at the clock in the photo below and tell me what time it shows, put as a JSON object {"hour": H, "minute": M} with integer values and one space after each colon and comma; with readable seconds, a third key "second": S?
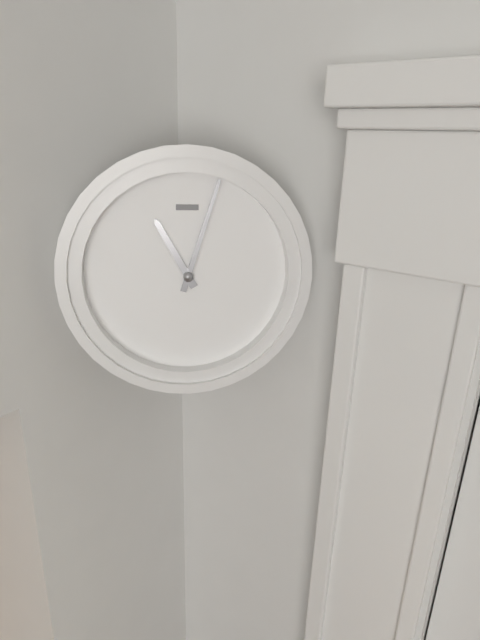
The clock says {"hour": 11, "minute": 3}
